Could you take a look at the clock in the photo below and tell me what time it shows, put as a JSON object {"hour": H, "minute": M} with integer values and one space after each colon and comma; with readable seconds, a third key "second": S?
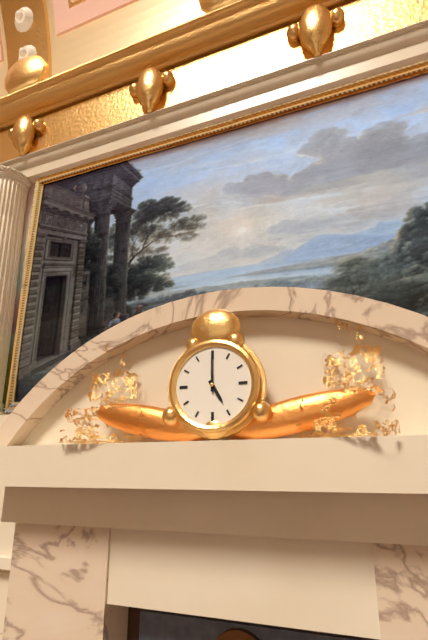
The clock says {"hour": 5, "minute": 0}
